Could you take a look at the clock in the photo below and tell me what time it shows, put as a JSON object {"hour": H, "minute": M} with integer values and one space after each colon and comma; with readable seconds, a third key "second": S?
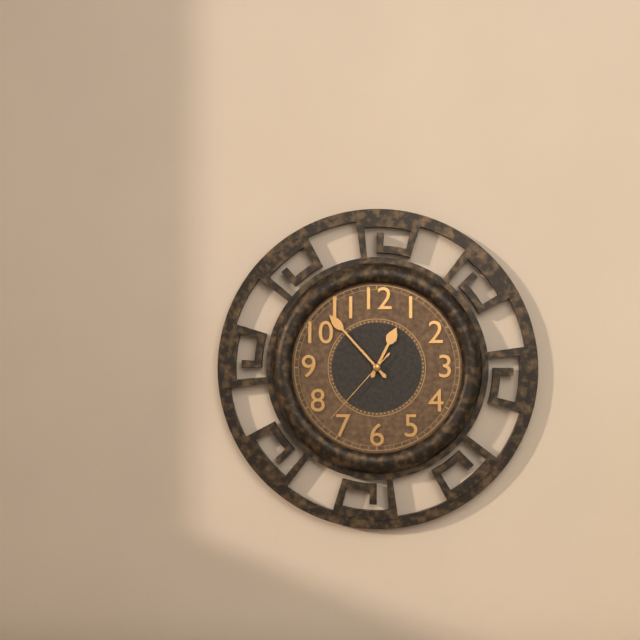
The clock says {"hour": 12, "minute": 53, "second": 37}
